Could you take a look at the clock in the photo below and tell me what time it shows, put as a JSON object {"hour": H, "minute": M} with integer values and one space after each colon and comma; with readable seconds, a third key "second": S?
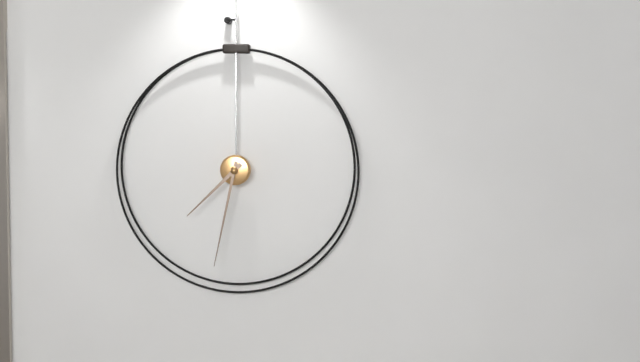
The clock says {"hour": 7, "minute": 32}
